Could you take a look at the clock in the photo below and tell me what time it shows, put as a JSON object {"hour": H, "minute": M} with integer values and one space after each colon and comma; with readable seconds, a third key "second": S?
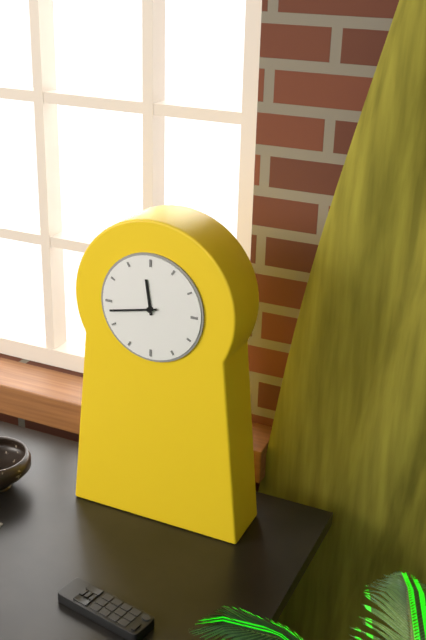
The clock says {"hour": 11, "minute": 43}
